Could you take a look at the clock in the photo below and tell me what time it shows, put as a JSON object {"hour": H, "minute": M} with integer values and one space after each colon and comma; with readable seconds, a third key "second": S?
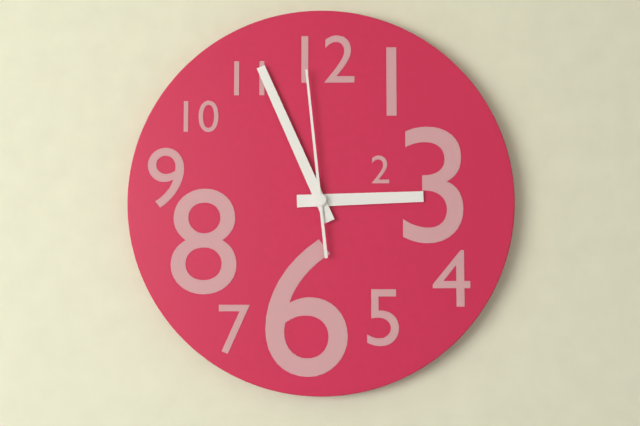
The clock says {"hour": 2, "minute": 56, "second": 59}
